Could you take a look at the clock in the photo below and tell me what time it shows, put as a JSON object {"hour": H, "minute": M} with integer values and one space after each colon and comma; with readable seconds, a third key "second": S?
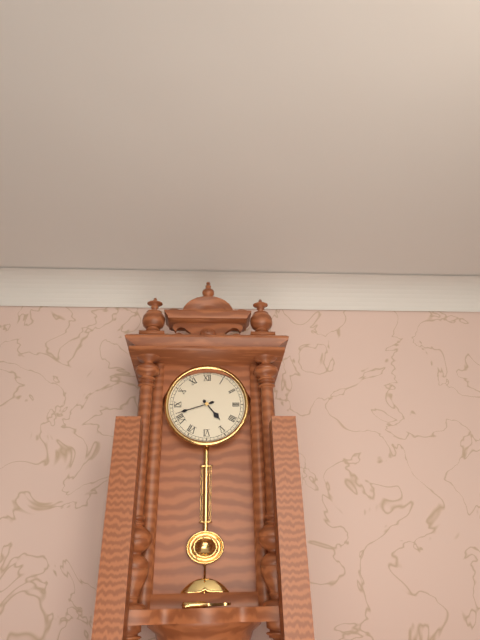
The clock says {"hour": 4, "minute": 42}
